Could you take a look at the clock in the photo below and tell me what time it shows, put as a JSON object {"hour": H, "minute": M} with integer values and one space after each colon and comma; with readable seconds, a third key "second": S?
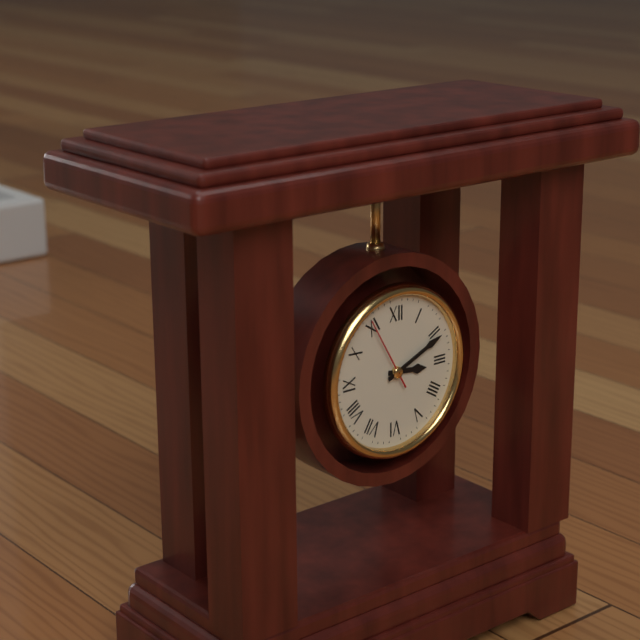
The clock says {"hour": 3, "minute": 11}
